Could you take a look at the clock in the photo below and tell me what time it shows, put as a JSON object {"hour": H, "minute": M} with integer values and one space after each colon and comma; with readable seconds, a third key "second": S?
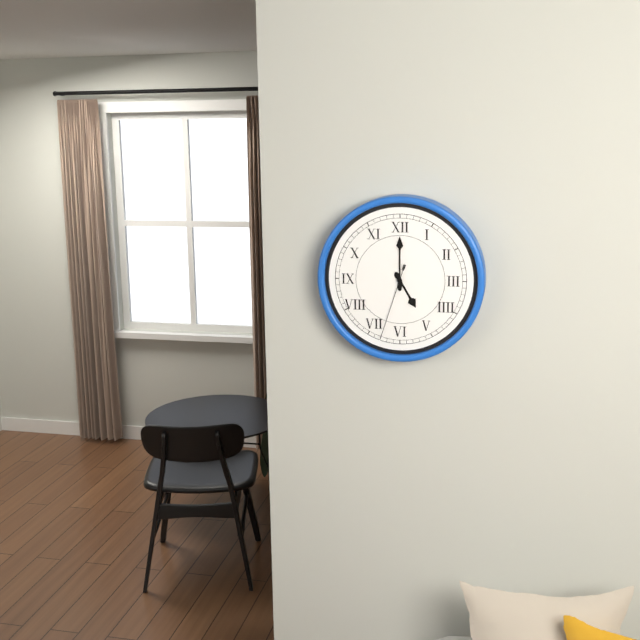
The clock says {"hour": 5, "minute": 0, "second": 33}
